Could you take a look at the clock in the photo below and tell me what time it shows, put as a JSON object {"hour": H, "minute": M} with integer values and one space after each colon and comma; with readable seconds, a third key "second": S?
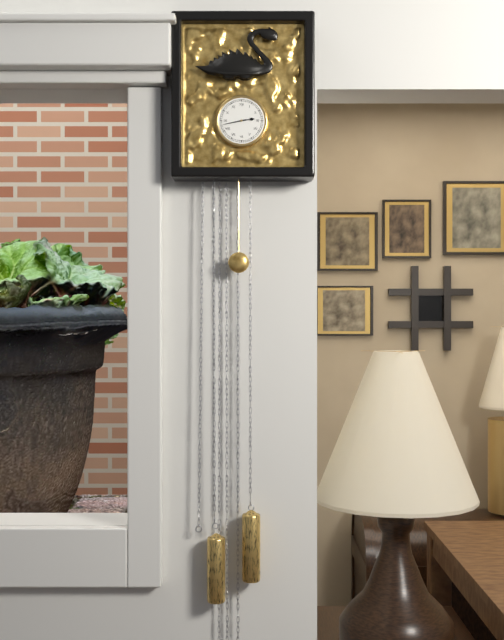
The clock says {"hour": 2, "minute": 43}
